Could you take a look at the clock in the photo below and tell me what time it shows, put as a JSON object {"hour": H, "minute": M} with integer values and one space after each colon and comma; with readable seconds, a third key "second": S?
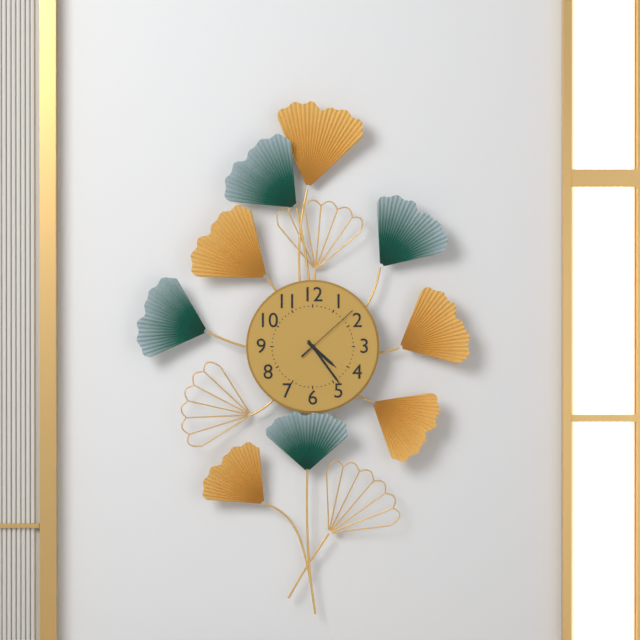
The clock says {"hour": 4, "minute": 24, "second": 8}
